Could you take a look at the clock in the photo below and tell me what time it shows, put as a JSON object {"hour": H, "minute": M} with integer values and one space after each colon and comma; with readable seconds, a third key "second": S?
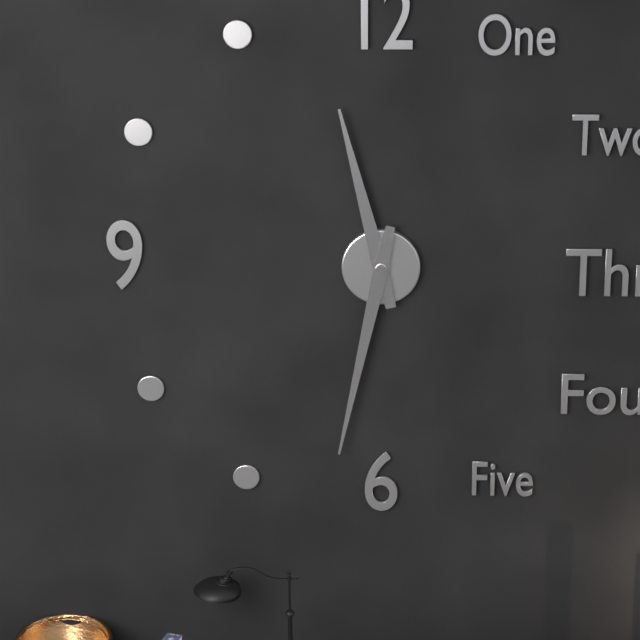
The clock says {"hour": 11, "minute": 32}
